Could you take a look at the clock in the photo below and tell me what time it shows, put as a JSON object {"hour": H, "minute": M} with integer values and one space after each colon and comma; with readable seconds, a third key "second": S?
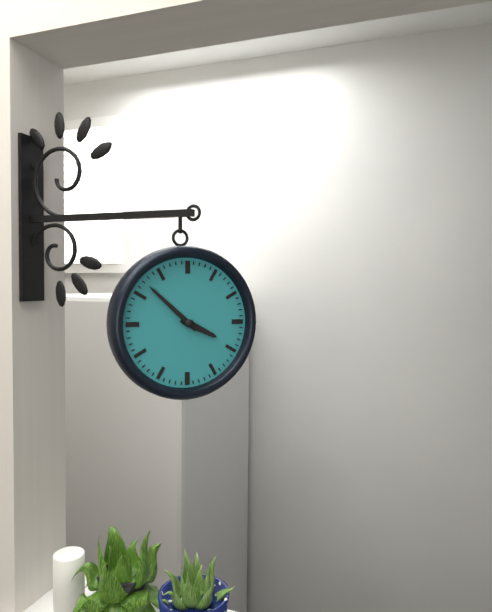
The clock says {"hour": 3, "minute": 52}
